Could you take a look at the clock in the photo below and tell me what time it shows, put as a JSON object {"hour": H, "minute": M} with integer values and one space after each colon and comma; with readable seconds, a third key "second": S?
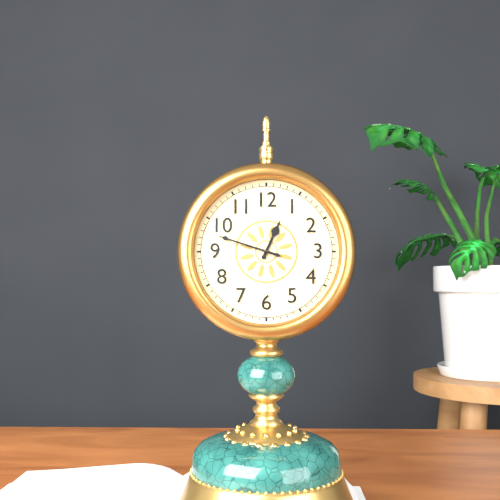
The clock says {"hour": 12, "minute": 48}
